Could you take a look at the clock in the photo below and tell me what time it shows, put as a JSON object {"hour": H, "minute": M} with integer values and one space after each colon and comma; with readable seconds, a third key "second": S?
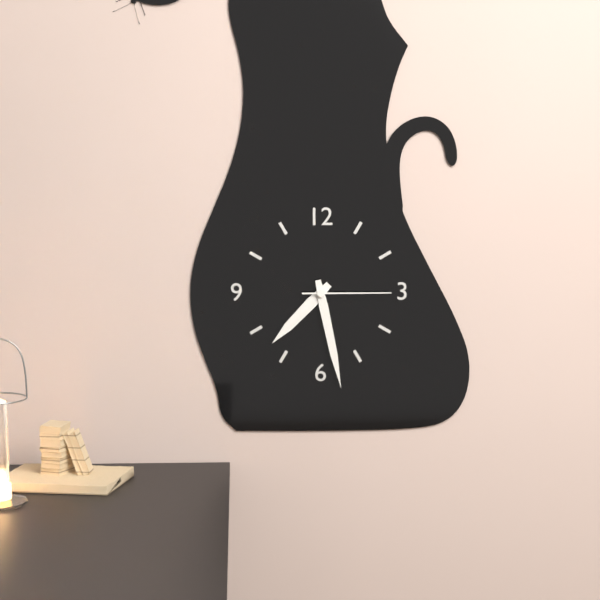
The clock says {"hour": 7, "minute": 28, "second": 15}
